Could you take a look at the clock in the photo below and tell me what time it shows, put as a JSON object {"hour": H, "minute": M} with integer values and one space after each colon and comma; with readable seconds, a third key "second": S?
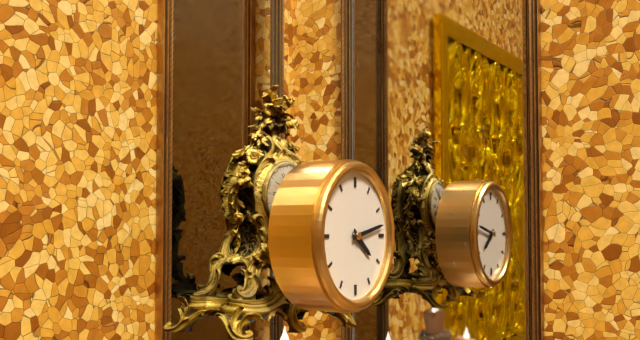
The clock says {"hour": 4, "minute": 13}
